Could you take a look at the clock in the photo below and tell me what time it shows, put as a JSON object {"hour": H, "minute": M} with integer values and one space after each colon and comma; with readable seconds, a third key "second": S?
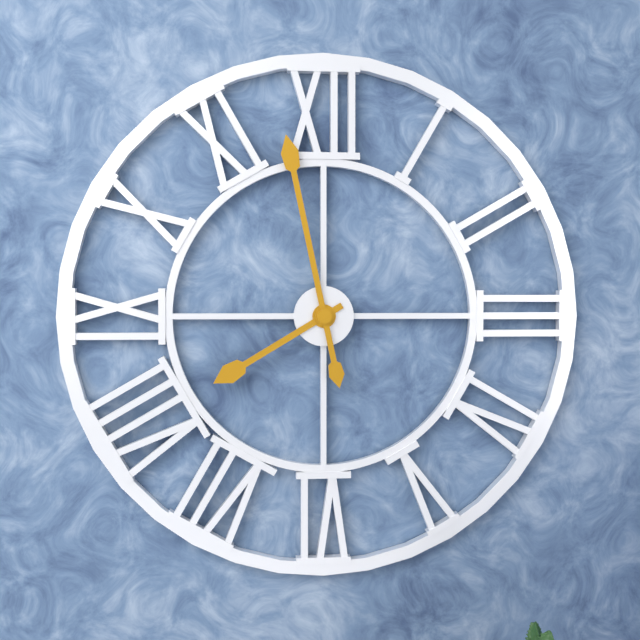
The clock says {"hour": 7, "minute": 58}
